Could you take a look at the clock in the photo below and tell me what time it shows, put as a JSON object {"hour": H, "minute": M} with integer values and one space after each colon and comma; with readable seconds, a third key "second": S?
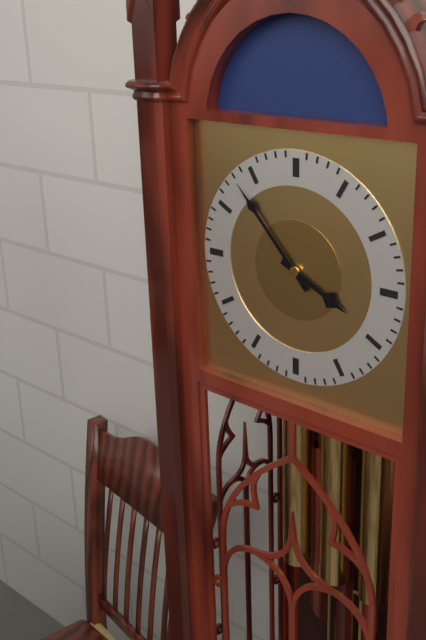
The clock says {"hour": 3, "minute": 53}
